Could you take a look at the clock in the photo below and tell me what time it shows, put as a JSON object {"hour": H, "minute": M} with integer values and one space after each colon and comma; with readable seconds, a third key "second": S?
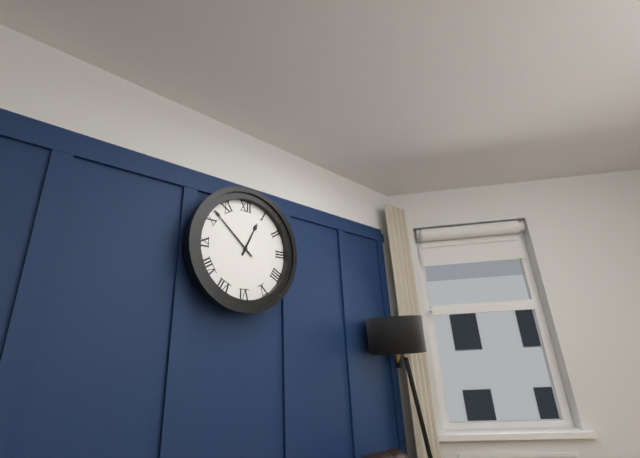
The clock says {"hour": 12, "minute": 52}
